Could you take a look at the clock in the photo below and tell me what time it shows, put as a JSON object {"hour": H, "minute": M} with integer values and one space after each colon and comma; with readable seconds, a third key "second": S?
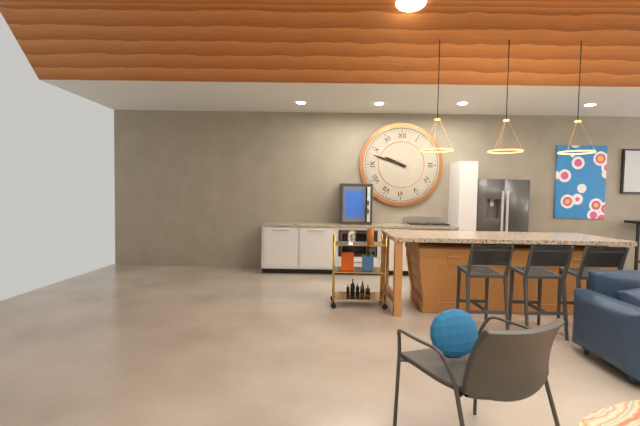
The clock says {"hour": 9, "minute": 48}
